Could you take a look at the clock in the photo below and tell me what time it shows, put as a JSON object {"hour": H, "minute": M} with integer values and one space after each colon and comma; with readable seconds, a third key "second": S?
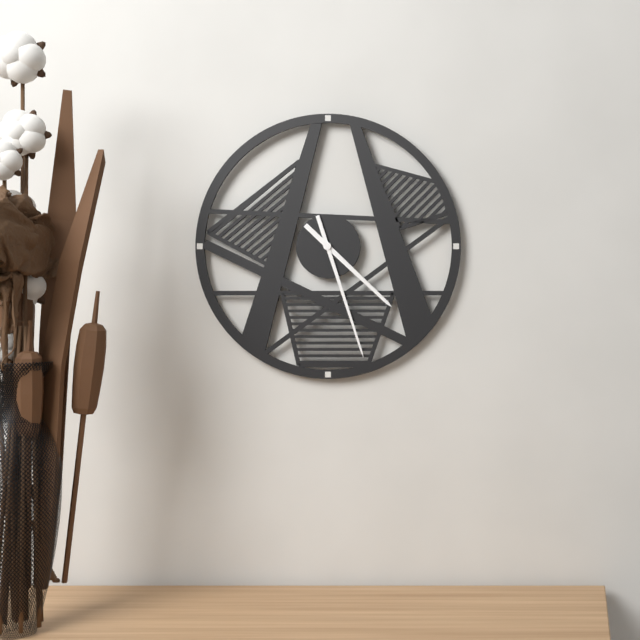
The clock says {"hour": 4, "minute": 27}
